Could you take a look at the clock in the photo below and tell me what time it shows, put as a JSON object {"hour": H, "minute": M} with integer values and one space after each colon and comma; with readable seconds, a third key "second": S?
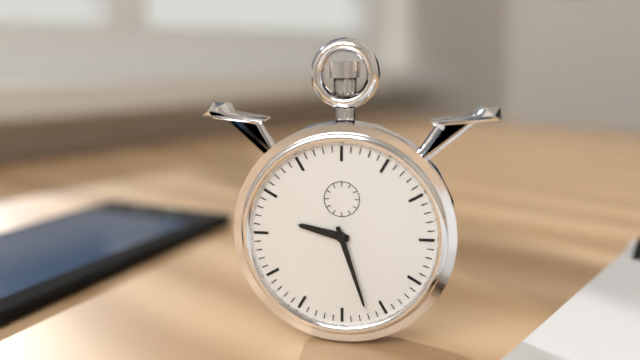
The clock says {"hour": 9, "minute": 27}
